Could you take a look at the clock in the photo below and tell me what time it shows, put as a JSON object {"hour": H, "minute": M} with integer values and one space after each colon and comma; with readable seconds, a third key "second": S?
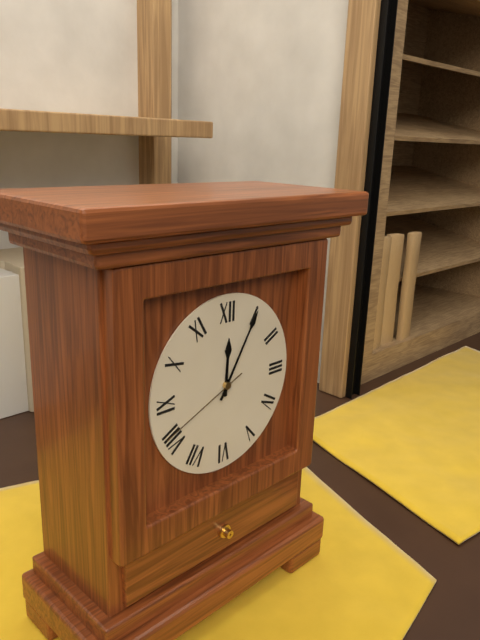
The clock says {"hour": 12, "minute": 5, "second": 41}
